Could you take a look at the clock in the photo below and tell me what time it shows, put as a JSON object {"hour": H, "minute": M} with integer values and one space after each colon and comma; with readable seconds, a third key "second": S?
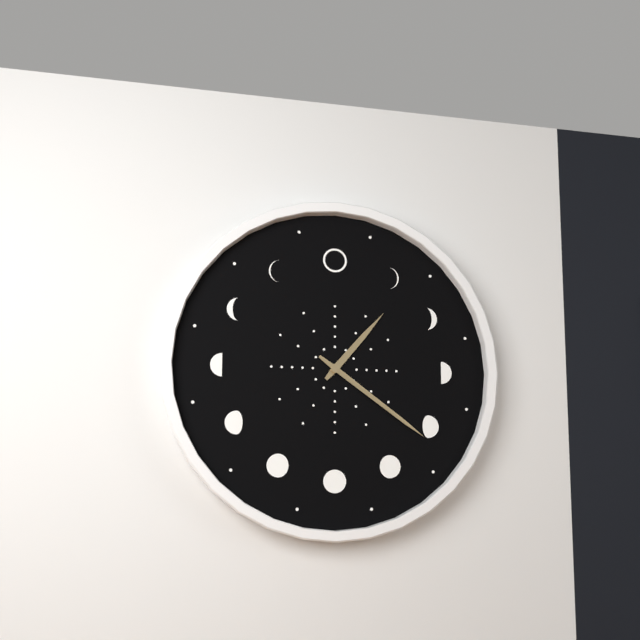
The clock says {"hour": 1, "minute": 21}
